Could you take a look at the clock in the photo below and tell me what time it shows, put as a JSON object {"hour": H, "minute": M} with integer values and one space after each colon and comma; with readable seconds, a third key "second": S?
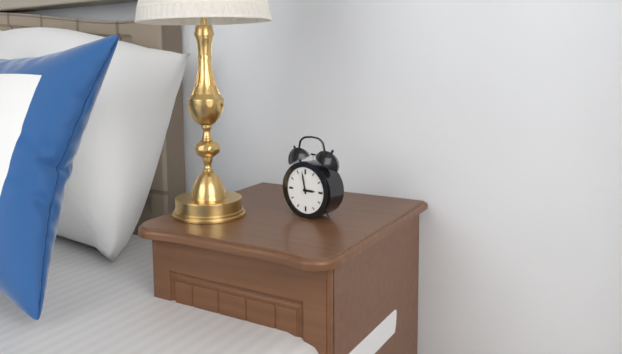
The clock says {"hour": 2, "minute": 58}
